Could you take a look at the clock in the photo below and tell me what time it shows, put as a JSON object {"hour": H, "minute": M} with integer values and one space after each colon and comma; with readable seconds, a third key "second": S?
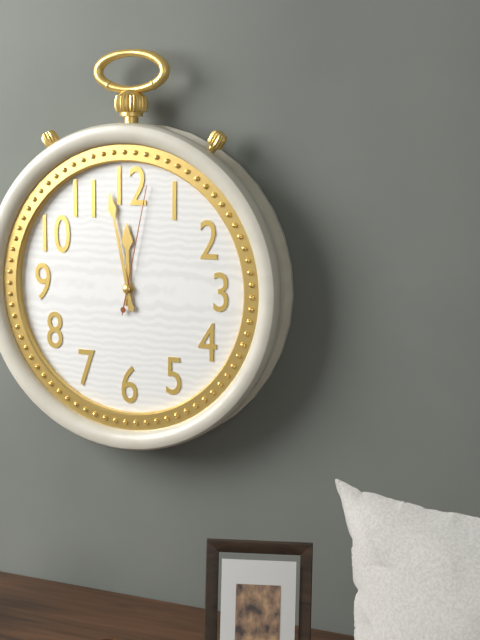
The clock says {"hour": 11, "minute": 58, "second": 2}
